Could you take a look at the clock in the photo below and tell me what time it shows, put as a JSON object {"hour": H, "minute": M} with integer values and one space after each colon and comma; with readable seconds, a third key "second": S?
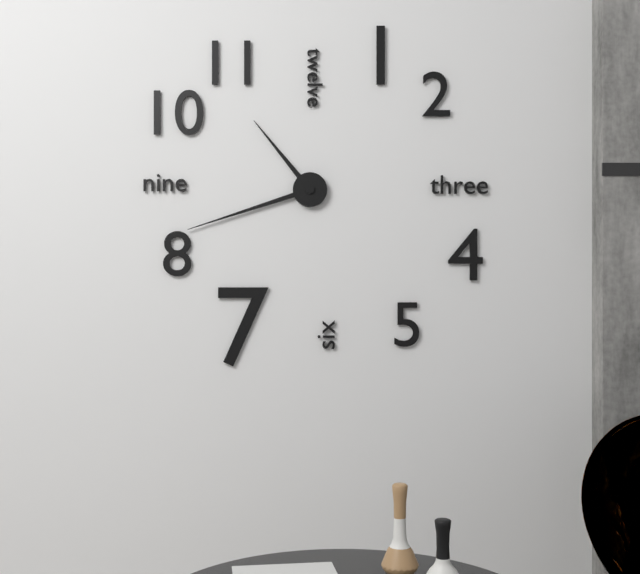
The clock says {"hour": 10, "minute": 42}
